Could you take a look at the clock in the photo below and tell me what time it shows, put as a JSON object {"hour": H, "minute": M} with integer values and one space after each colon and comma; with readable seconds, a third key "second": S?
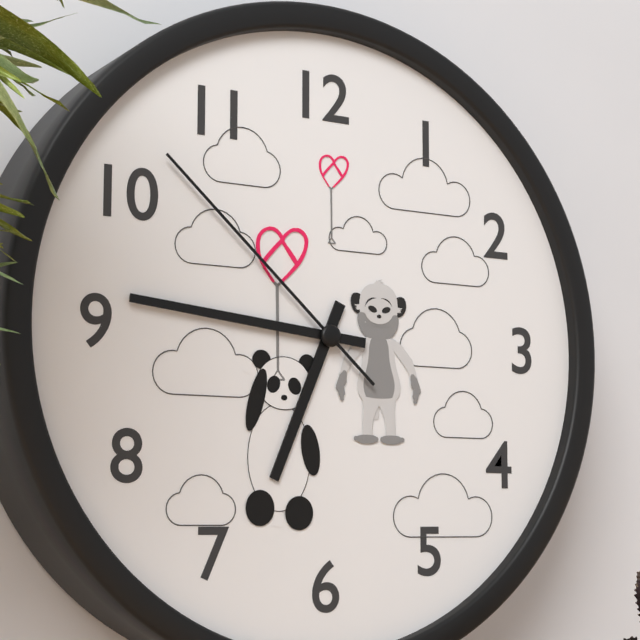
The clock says {"hour": 6, "minute": 46, "second": 52}
